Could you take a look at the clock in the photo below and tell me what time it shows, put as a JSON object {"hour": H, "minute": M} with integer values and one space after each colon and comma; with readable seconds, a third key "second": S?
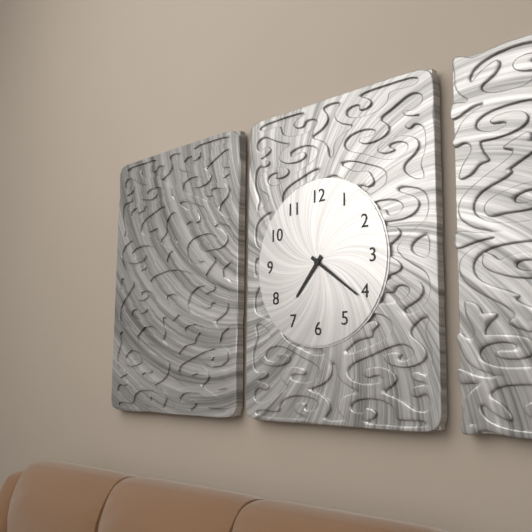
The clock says {"hour": 7, "minute": 21}
